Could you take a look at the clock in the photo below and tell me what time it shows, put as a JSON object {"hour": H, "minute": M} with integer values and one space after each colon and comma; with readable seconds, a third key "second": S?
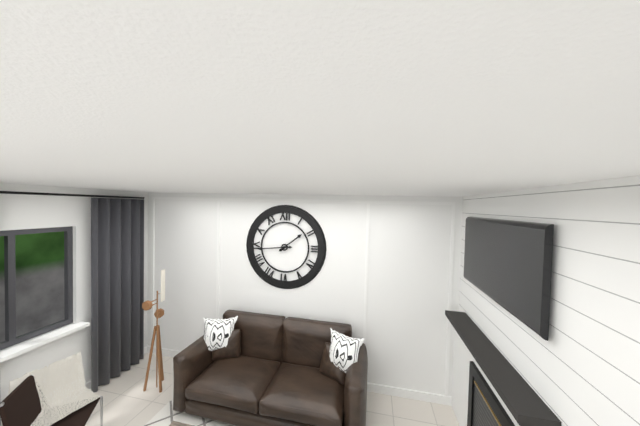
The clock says {"hour": 1, "minute": 44}
